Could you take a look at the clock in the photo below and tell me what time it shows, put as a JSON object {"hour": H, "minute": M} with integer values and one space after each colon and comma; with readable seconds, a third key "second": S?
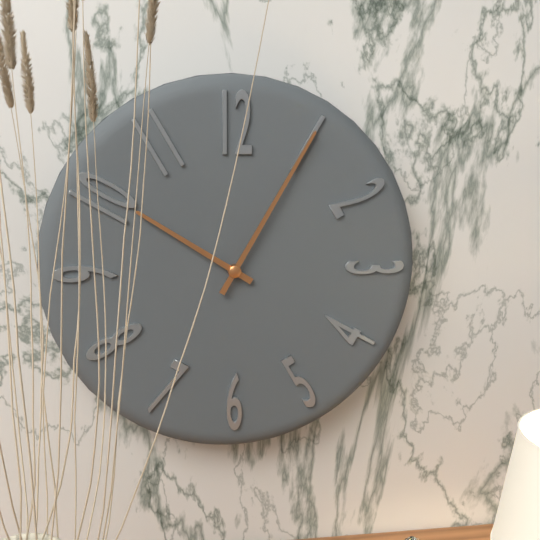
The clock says {"hour": 10, "minute": 5}
